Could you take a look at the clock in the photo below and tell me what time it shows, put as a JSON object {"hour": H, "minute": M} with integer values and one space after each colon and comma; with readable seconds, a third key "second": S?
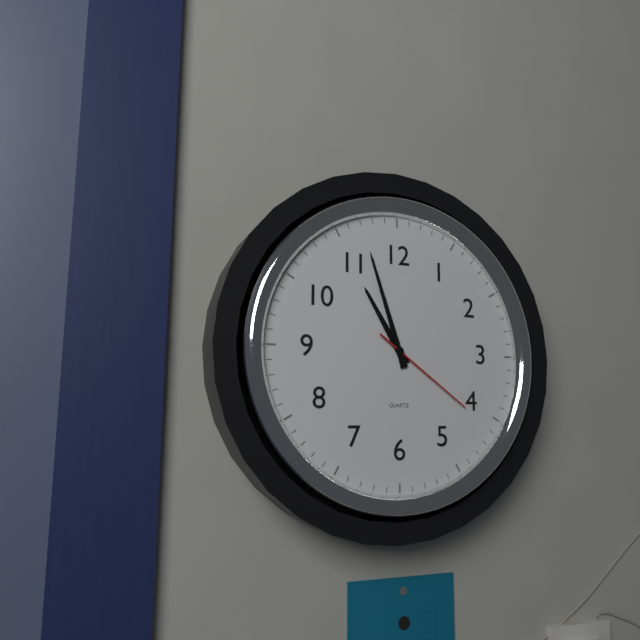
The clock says {"hour": 10, "minute": 57, "second": 21}
